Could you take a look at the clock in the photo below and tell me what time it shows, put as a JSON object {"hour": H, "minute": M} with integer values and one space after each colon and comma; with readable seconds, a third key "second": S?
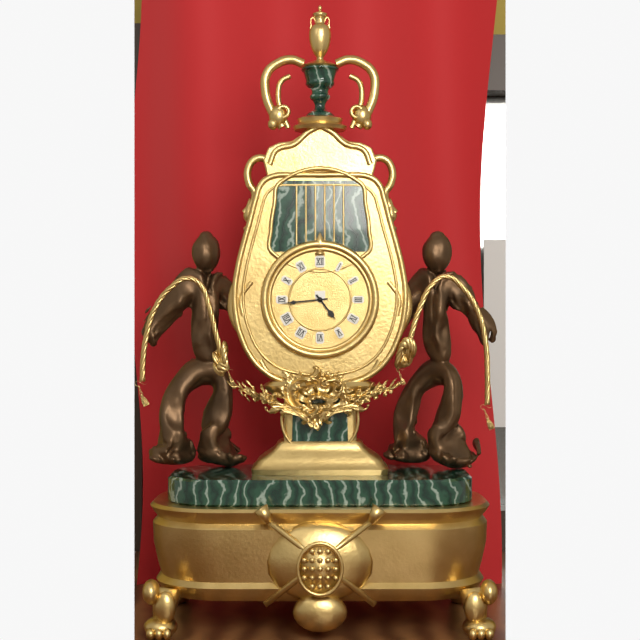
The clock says {"hour": 4, "minute": 44}
